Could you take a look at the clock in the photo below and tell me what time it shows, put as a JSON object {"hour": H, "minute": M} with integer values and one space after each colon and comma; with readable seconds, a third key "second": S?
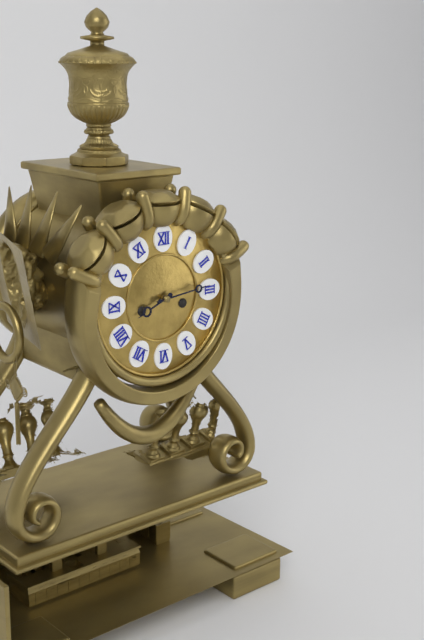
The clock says {"hour": 8, "minute": 14}
